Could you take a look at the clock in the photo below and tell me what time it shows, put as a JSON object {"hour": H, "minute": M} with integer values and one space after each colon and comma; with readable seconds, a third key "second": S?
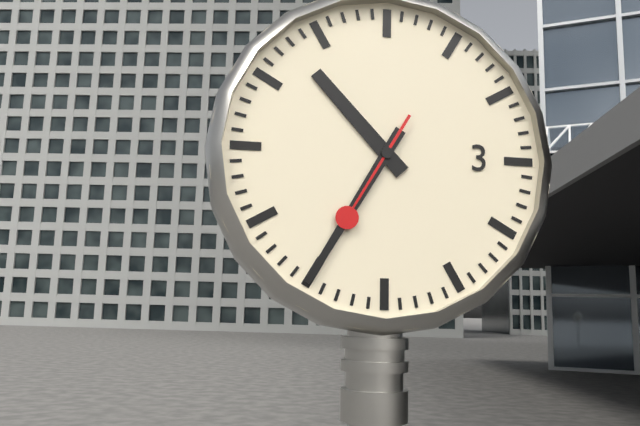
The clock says {"hour": 10, "minute": 35, "second": 35}
